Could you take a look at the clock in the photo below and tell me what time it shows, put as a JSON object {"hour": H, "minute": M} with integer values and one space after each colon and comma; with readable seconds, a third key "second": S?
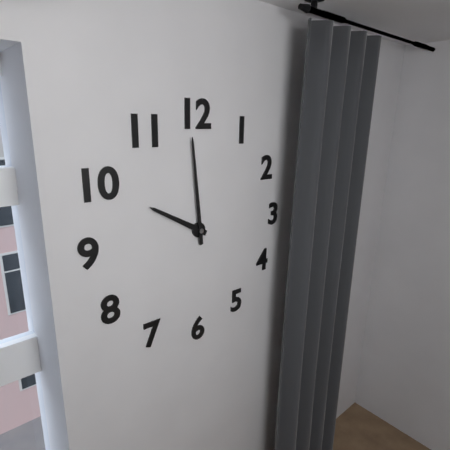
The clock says {"hour": 9, "minute": 59}
